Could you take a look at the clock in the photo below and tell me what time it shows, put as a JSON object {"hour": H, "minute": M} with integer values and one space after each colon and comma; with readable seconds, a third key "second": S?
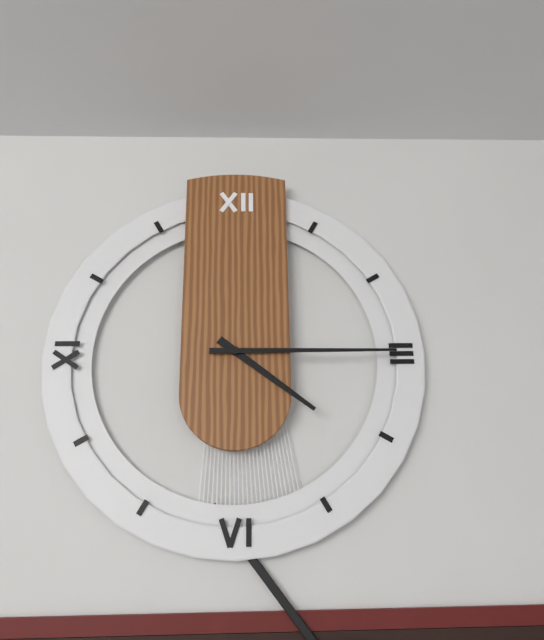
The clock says {"hour": 4, "minute": 15}
